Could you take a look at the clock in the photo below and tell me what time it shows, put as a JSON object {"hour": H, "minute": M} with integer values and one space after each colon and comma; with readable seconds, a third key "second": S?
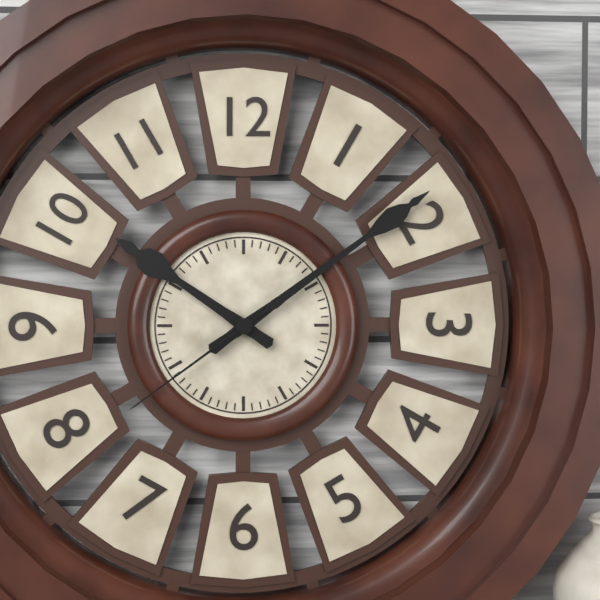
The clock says {"hour": 10, "minute": 9, "second": 39}
